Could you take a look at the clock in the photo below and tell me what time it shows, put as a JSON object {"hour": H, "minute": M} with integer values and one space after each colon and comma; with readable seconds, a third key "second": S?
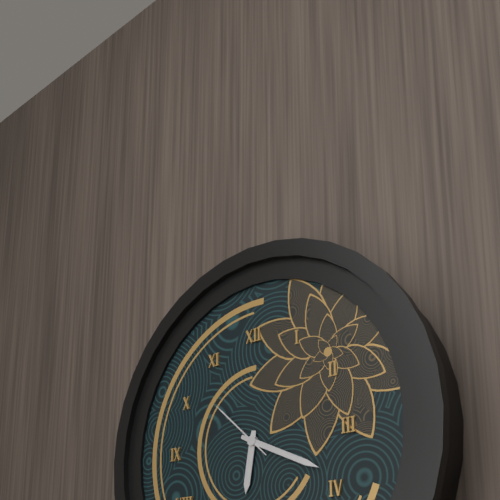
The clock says {"hour": 6, "minute": 19, "second": 52}
